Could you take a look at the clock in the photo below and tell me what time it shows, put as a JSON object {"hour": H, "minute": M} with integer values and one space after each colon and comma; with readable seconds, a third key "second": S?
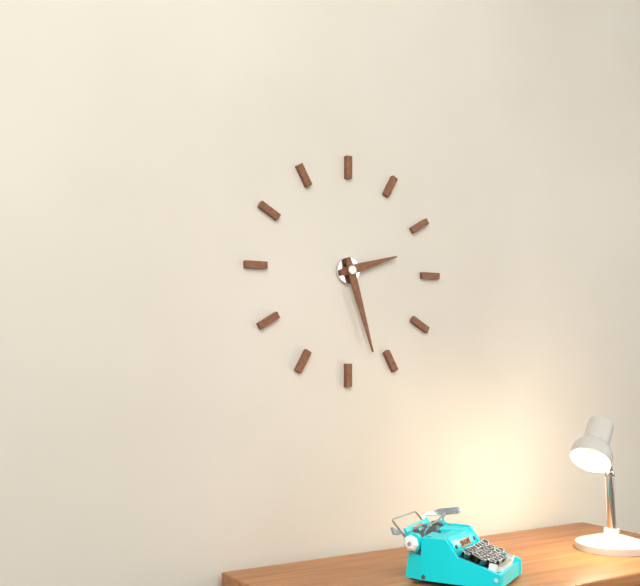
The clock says {"hour": 2, "minute": 27}
